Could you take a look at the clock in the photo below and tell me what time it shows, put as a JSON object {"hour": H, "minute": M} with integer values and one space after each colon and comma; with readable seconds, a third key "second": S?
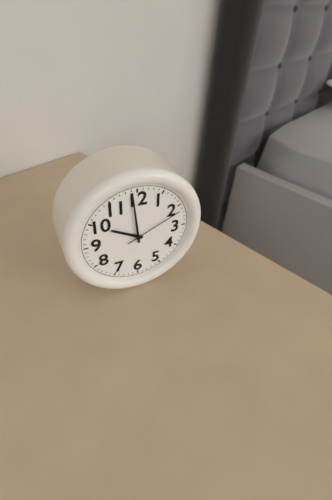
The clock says {"hour": 9, "minute": 59, "second": 11}
